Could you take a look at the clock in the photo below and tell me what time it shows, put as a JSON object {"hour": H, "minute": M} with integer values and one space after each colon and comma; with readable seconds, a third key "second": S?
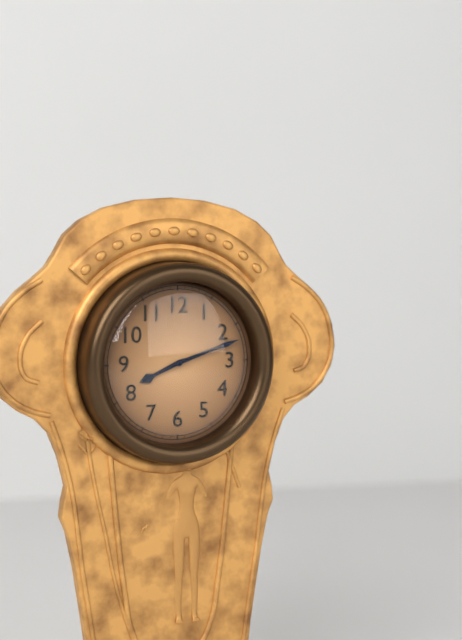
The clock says {"hour": 8, "minute": 12}
